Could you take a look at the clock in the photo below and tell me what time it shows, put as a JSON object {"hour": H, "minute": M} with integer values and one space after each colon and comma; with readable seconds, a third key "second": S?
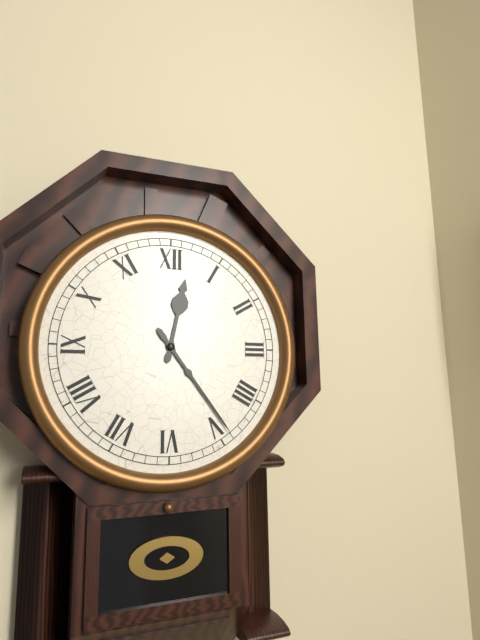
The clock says {"hour": 12, "minute": 24}
